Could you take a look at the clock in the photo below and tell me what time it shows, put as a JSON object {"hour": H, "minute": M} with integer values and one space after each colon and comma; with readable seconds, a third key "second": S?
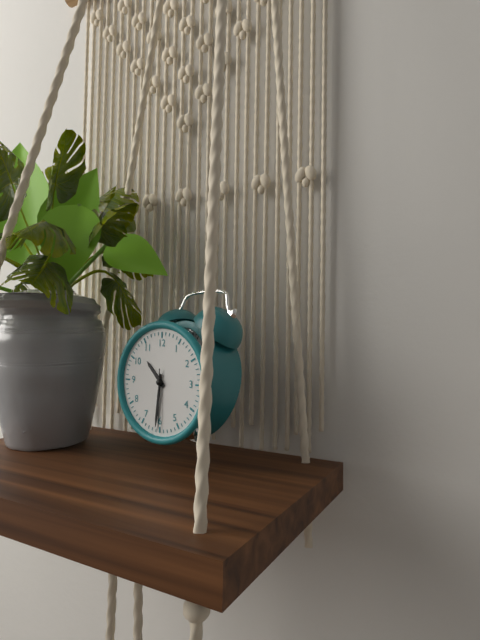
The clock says {"hour": 10, "minute": 31, "second": 30}
